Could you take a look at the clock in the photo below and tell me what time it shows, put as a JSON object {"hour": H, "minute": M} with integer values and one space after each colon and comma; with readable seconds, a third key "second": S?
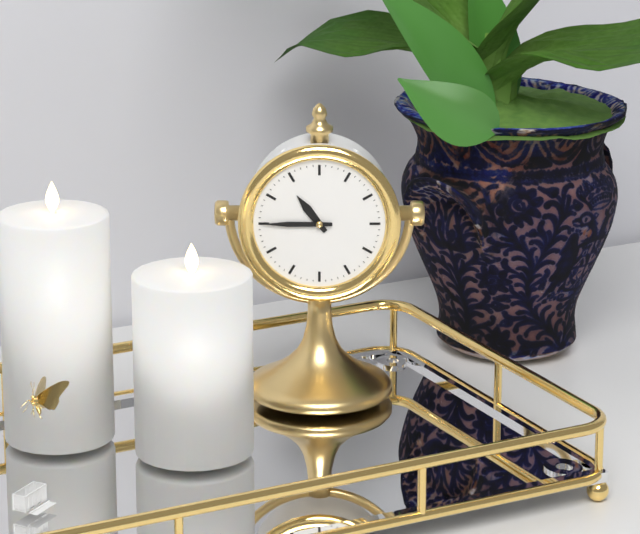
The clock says {"hour": 10, "minute": 45}
